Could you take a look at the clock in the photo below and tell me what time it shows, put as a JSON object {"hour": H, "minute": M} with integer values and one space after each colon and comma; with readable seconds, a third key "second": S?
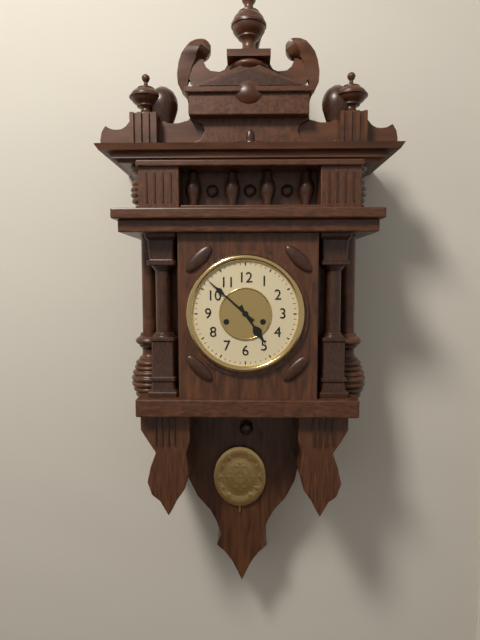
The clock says {"hour": 4, "minute": 52}
